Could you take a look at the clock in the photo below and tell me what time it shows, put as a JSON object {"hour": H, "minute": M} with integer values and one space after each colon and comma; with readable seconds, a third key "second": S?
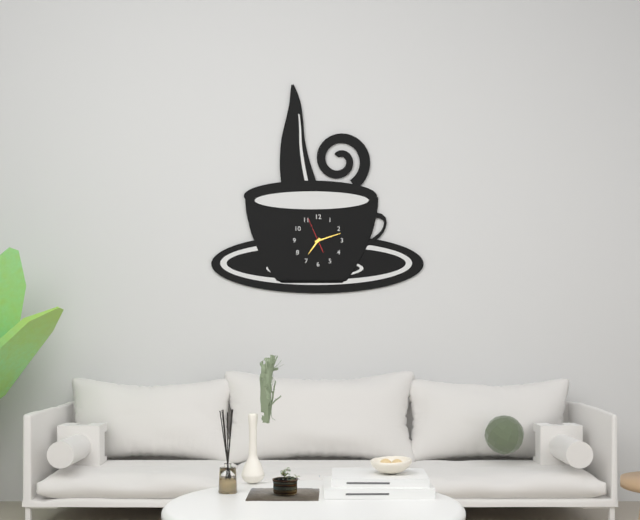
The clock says {"hour": 7, "minute": 12}
